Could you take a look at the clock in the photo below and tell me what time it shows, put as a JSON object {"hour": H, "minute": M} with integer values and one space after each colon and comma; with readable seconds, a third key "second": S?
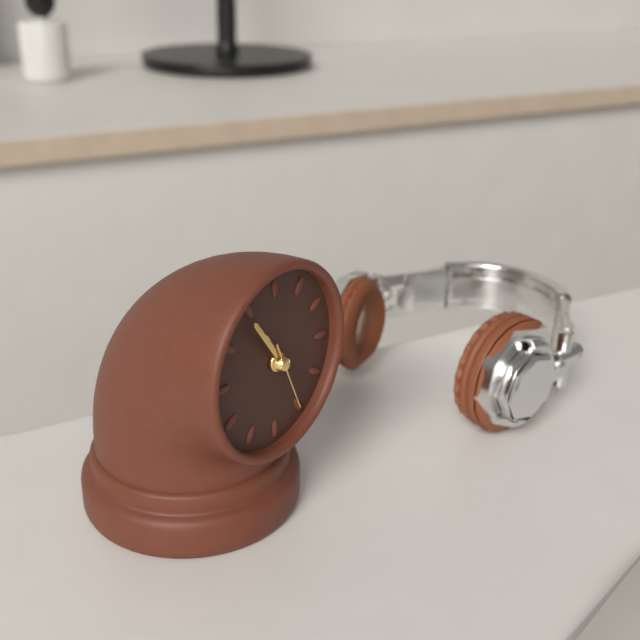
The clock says {"hour": 10, "minute": 54, "second": 26}
